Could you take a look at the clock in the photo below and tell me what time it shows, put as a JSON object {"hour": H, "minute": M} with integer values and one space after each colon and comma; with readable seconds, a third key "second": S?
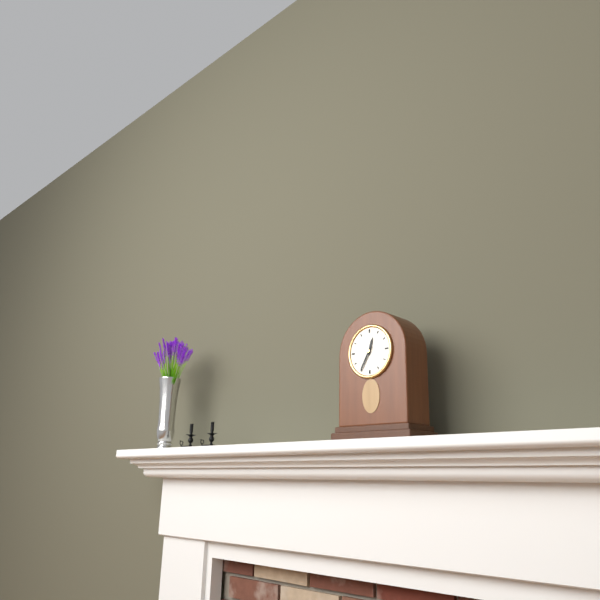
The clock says {"hour": 12, "minute": 35}
